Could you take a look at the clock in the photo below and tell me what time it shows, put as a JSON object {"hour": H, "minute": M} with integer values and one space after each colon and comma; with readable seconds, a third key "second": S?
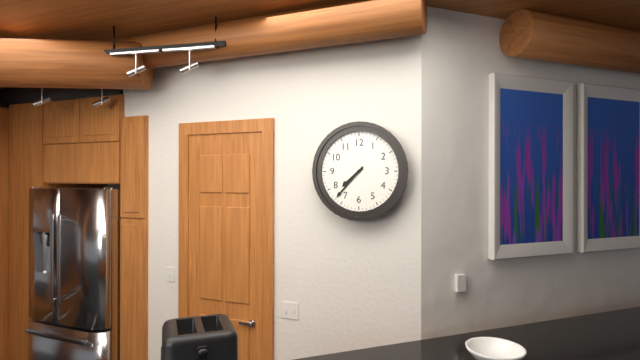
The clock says {"hour": 7, "minute": 37}
